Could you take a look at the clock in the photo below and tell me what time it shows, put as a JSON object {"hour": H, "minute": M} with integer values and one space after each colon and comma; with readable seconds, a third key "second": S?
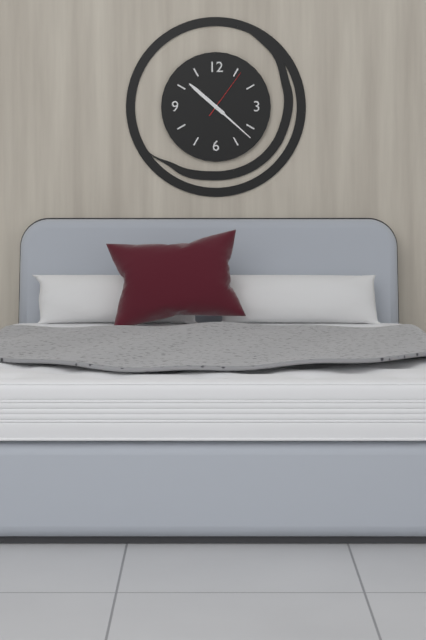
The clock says {"hour": 10, "minute": 22, "second": 6}
